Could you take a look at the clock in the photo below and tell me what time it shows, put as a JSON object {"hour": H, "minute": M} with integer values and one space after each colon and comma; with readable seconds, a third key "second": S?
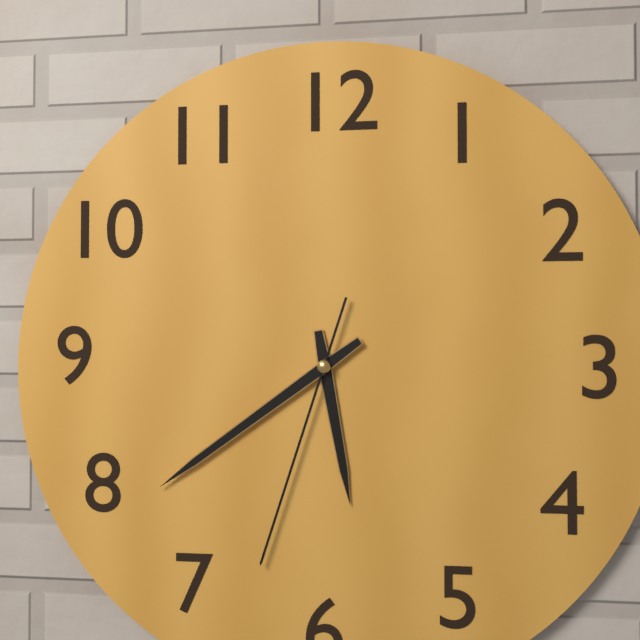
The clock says {"hour": 5, "minute": 39, "second": 33}
